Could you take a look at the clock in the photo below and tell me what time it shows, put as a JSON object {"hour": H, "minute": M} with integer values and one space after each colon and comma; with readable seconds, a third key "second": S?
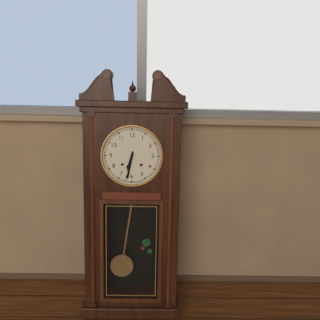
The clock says {"hour": 6, "minute": 32}
